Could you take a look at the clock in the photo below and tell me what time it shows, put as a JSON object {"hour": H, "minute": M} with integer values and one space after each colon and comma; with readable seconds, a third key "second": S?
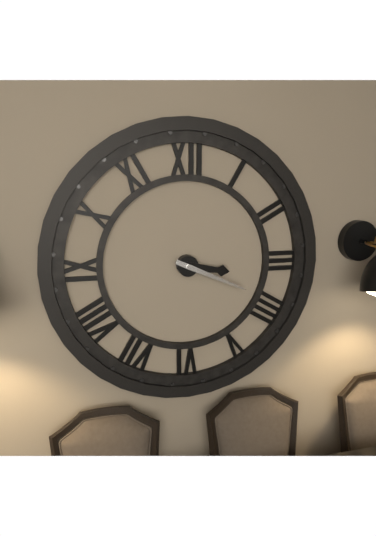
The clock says {"hour": 3, "minute": 19}
